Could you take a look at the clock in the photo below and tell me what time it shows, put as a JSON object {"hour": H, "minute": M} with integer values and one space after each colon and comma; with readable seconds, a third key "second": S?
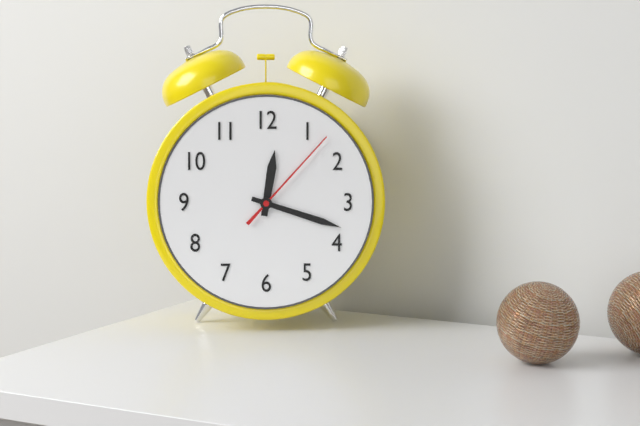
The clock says {"hour": 12, "minute": 18, "second": 7}
